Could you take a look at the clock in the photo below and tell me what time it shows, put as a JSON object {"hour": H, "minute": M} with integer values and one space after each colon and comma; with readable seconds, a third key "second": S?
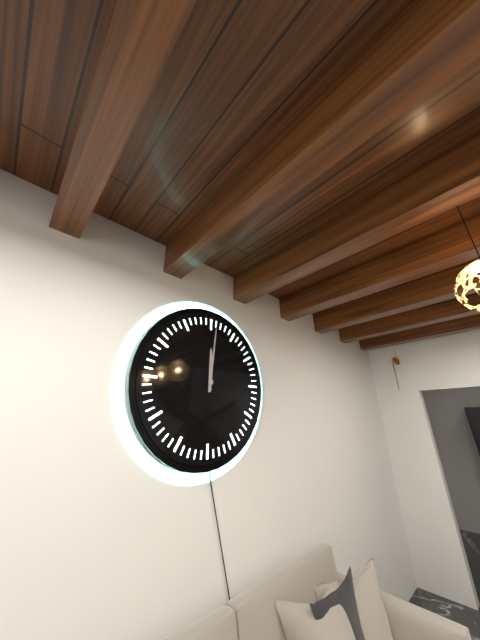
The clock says {"hour": 12, "minute": 1}
